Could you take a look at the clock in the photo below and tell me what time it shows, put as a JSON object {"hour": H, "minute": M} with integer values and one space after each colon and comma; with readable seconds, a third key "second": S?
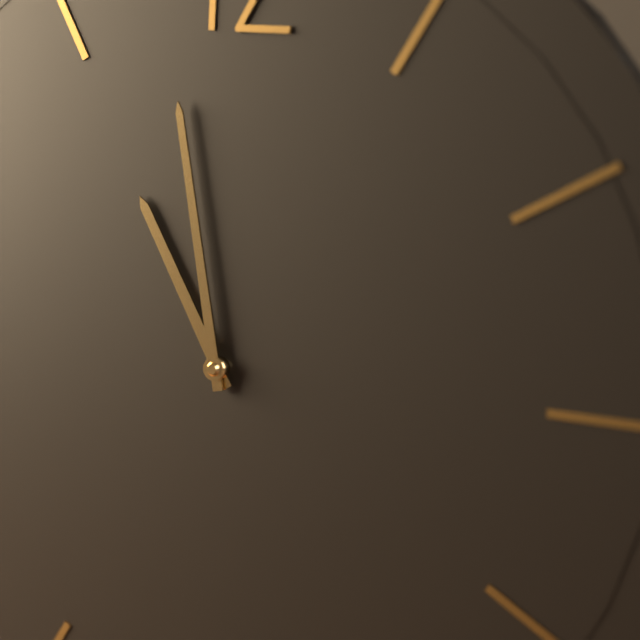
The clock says {"hour": 10, "minute": 58}
